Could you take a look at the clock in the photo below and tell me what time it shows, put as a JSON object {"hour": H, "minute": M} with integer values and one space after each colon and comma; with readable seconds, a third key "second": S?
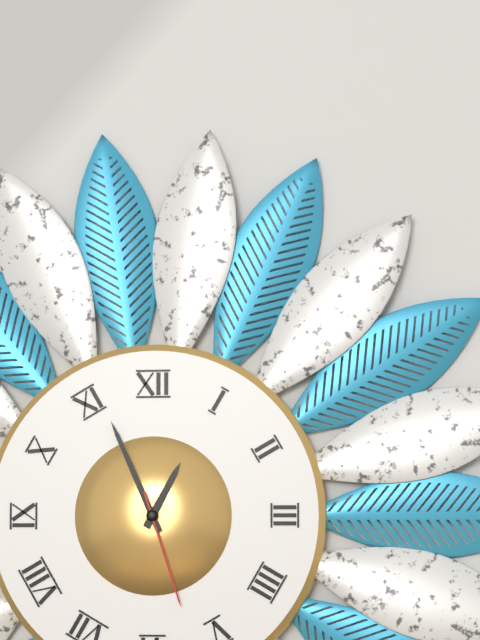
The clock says {"hour": 12, "minute": 56, "second": 27}
